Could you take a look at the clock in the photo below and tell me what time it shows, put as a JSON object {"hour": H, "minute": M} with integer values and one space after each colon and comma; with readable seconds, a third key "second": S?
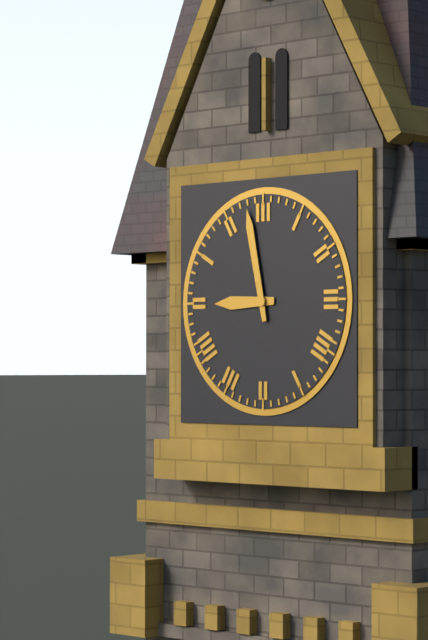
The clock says {"hour": 8, "minute": 58}
